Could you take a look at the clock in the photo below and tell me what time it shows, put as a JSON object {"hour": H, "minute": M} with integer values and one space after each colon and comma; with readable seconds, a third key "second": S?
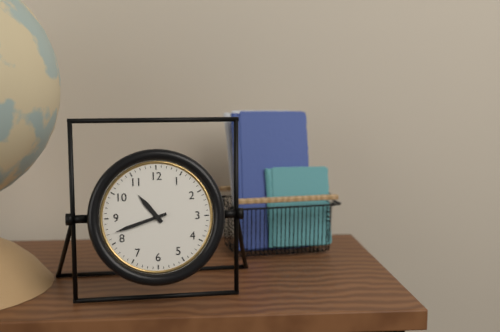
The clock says {"hour": 10, "minute": 42}
